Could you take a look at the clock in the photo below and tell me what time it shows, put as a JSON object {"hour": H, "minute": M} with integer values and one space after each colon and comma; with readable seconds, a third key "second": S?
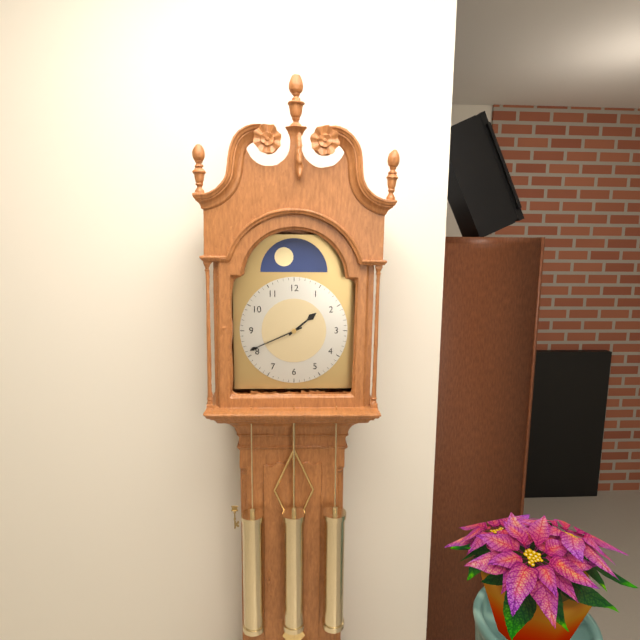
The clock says {"hour": 1, "minute": 41}
